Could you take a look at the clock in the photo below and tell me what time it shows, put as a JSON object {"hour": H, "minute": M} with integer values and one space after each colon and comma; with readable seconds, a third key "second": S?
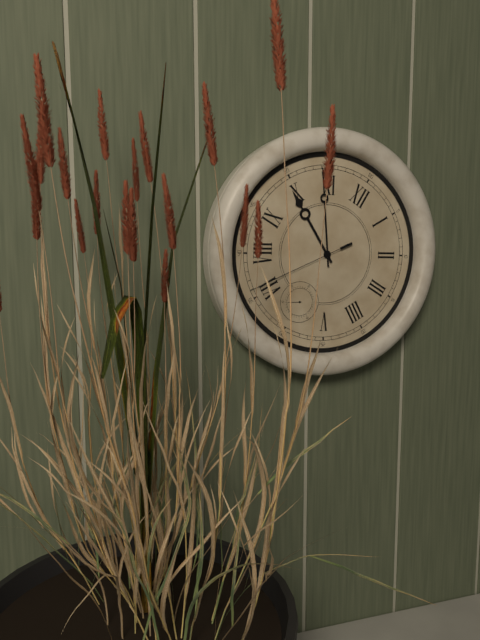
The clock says {"hour": 9, "minute": 54, "second": 36}
